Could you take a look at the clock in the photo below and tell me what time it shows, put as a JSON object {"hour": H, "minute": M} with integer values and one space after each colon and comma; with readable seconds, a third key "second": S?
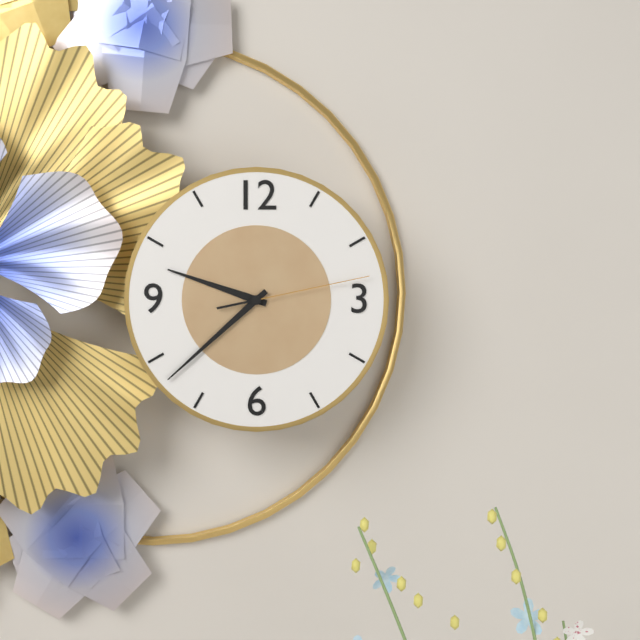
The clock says {"hour": 9, "minute": 38, "second": 13}
